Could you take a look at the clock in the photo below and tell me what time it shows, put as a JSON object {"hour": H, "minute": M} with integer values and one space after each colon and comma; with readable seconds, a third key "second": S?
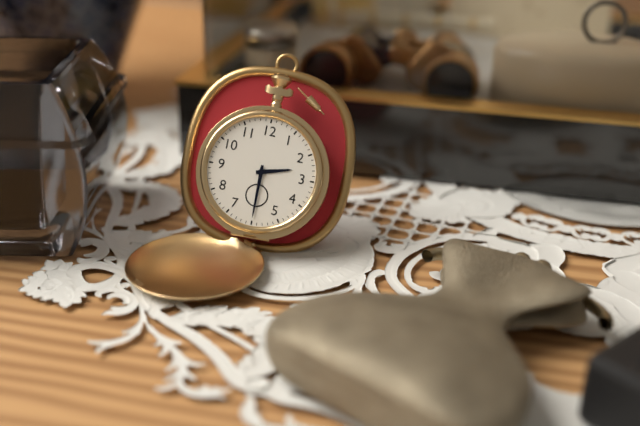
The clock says {"hour": 2, "minute": 30}
